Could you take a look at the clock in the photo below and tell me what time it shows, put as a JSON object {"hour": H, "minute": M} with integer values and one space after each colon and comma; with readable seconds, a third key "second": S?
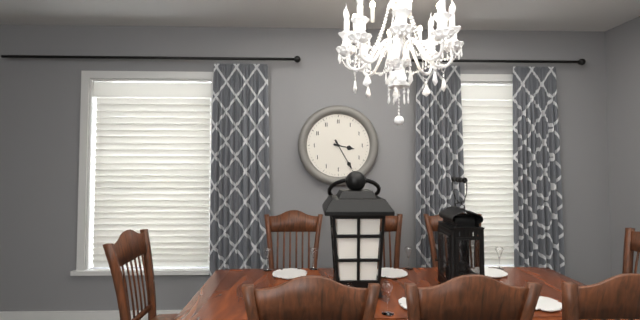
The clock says {"hour": 3, "minute": 25}
